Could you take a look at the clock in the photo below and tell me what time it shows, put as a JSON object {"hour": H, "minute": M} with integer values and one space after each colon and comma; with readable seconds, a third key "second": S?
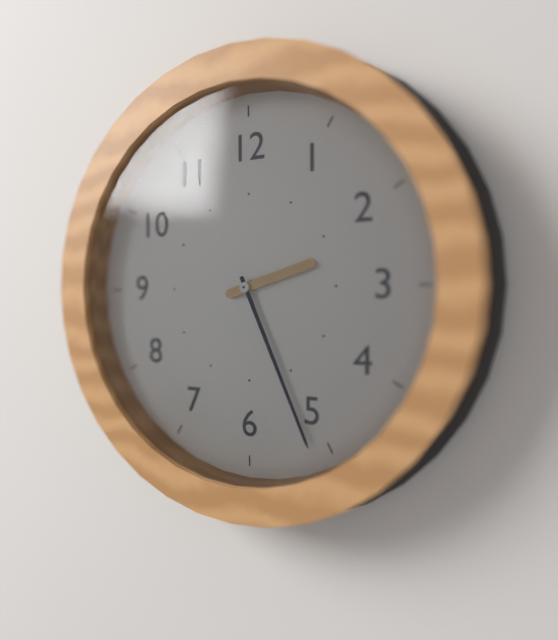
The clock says {"hour": 2, "minute": 26}
